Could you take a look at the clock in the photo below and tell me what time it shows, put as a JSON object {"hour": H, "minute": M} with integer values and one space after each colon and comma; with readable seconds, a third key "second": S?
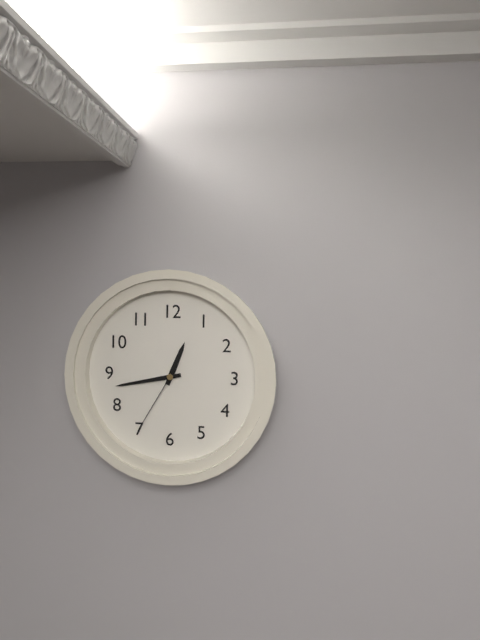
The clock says {"hour": 12, "minute": 43, "second": 35}
